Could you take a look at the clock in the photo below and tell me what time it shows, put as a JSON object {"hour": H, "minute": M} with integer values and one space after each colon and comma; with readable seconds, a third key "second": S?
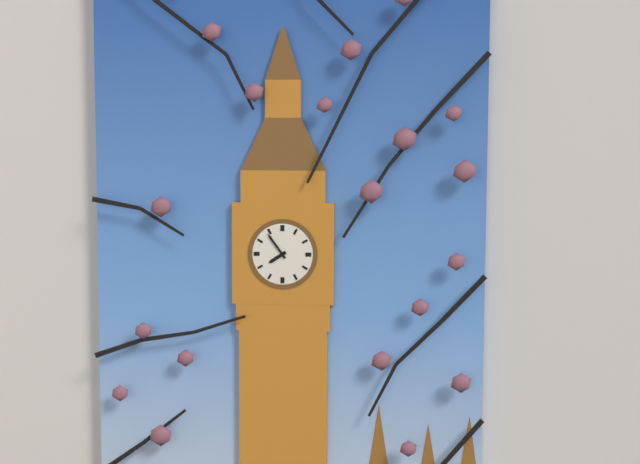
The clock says {"hour": 7, "minute": 54}
